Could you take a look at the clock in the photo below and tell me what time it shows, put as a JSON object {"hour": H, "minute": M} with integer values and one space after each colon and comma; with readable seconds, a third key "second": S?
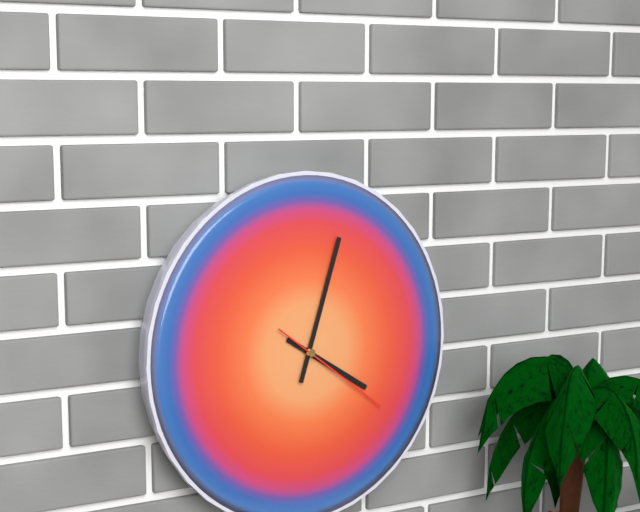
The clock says {"hour": 4, "minute": 3, "second": 21}
